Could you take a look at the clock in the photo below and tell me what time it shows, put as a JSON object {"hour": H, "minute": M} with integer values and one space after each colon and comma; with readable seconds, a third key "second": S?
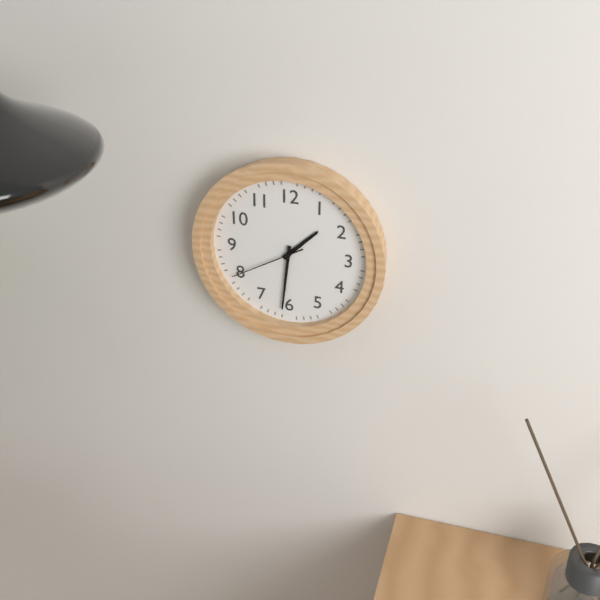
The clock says {"hour": 1, "minute": 31, "second": 40}
